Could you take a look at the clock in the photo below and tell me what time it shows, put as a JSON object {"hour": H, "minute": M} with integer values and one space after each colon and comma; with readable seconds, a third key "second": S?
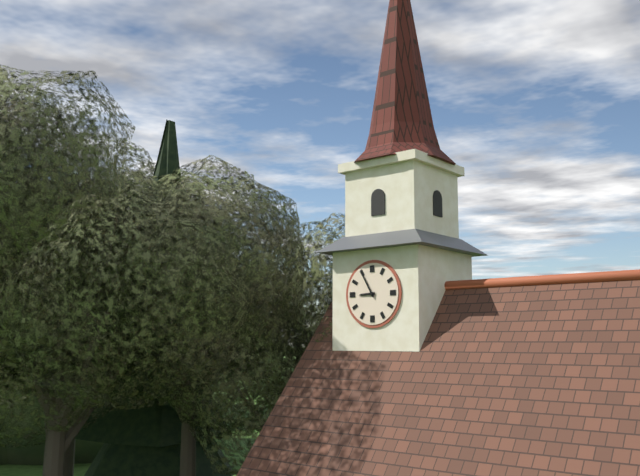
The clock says {"hour": 8, "minute": 55}
